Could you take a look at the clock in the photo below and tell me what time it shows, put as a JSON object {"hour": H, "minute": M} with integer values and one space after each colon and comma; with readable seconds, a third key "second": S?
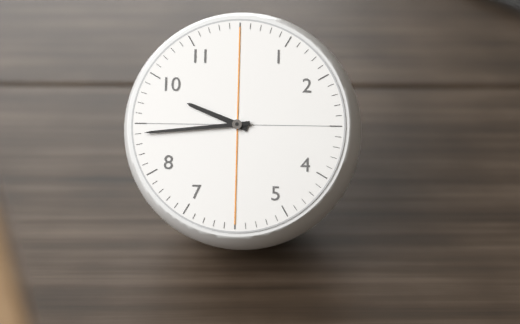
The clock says {"hour": 9, "minute": 44}
